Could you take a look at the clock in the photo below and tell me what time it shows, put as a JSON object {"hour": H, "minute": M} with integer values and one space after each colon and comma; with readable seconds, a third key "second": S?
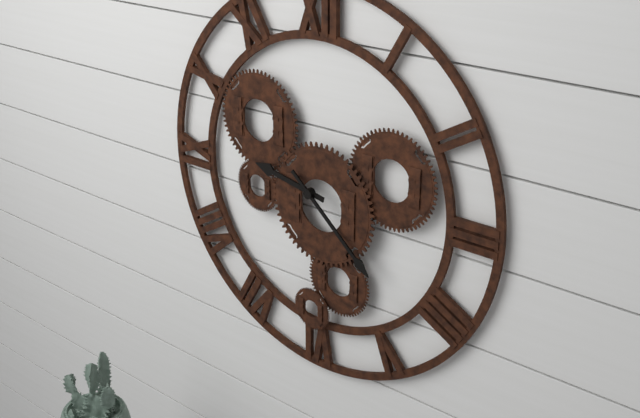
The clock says {"hour": 9, "minute": 22}
